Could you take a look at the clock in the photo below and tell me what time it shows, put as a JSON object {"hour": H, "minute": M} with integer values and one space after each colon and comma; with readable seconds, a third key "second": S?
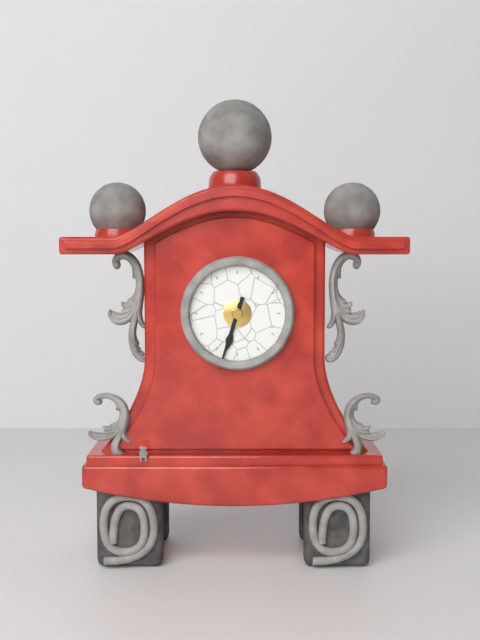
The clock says {"hour": 6, "minute": 33}
